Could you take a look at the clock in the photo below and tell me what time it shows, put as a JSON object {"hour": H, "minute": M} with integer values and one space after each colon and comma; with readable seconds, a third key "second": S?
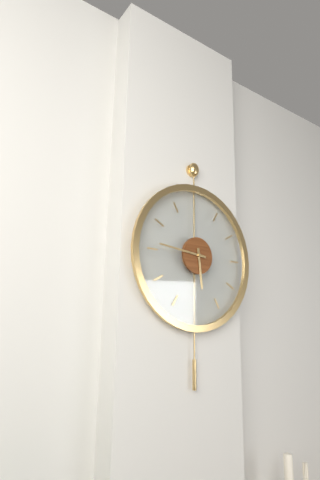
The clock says {"hour": 5, "minute": 46}
